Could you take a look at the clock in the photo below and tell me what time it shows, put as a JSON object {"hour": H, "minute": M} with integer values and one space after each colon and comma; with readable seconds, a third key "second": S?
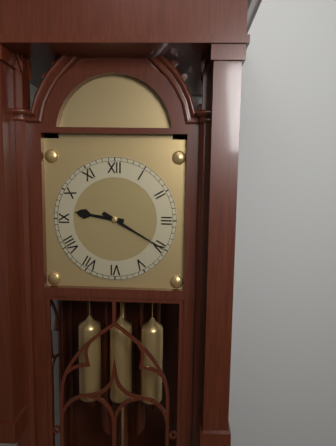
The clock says {"hour": 9, "minute": 20}
